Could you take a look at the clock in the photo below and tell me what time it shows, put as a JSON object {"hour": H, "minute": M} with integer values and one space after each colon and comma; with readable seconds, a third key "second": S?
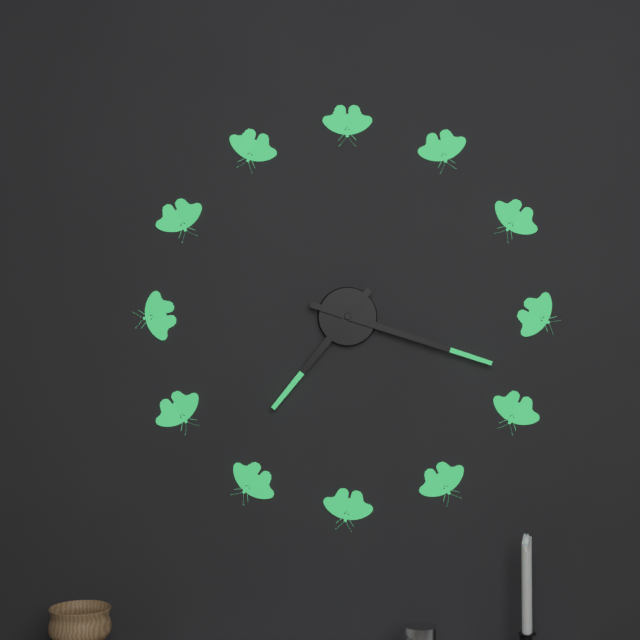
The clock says {"hour": 7, "minute": 18}
